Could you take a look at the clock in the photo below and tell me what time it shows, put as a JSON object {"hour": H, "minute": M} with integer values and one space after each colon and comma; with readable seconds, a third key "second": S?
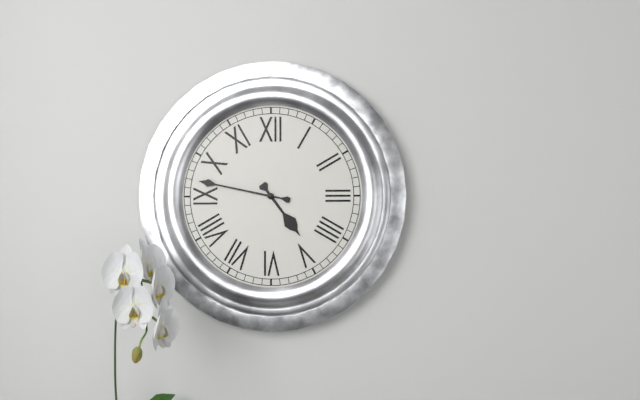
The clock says {"hour": 4, "minute": 47}
